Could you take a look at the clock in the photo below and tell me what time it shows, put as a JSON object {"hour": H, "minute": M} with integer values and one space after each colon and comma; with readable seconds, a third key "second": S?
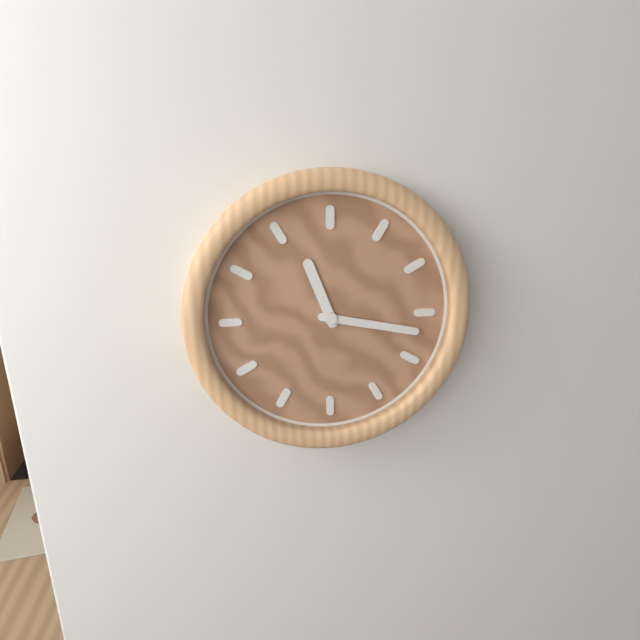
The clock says {"hour": 11, "minute": 17}
